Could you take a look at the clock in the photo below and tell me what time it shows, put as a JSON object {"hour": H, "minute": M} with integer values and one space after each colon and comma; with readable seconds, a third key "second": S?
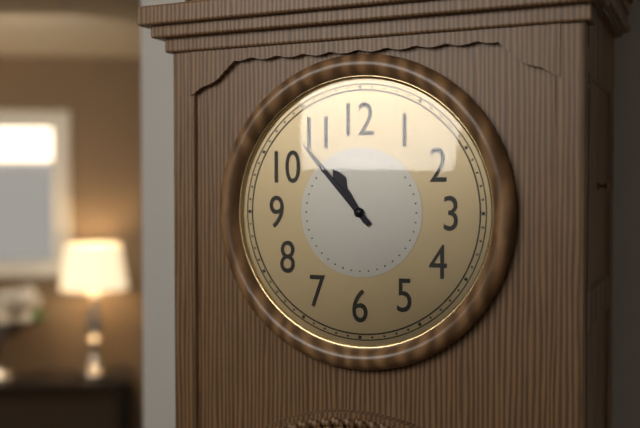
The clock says {"hour": 10, "minute": 53}
